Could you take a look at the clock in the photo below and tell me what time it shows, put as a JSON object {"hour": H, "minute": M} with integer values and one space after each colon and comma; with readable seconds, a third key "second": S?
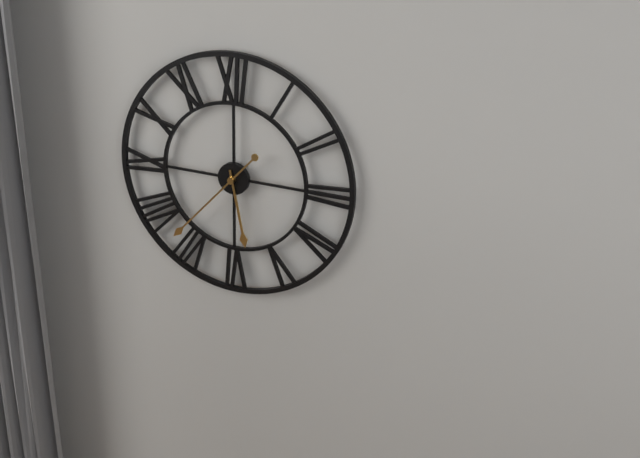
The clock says {"hour": 5, "minute": 37}
